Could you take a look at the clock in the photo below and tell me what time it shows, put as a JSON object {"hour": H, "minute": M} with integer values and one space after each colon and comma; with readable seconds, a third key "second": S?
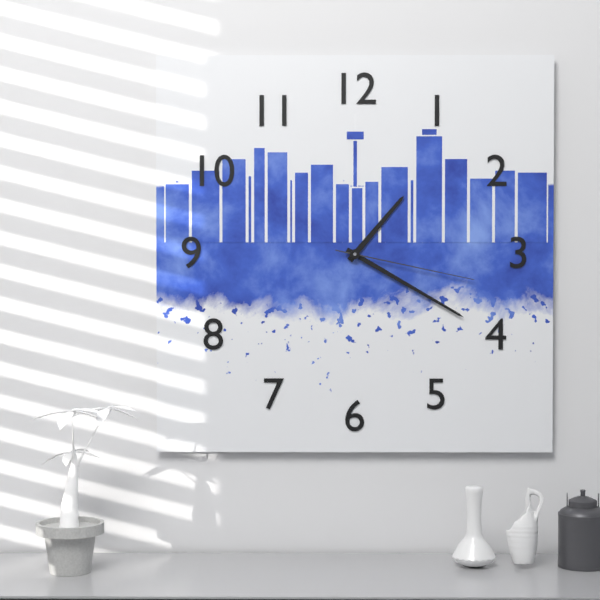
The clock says {"hour": 1, "minute": 20, "second": 17}
